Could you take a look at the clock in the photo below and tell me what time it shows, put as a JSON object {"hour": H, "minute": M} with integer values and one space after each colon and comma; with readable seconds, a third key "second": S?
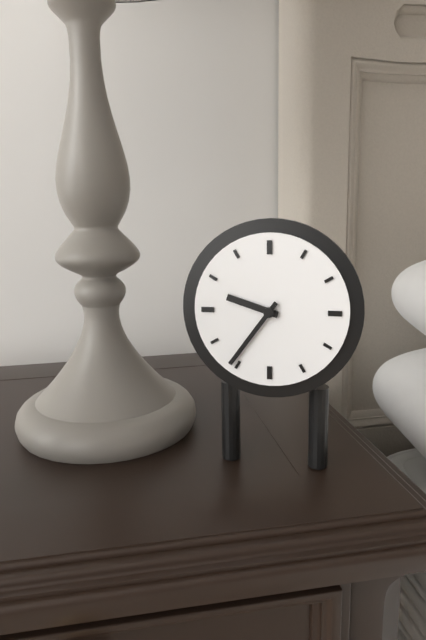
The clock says {"hour": 9, "minute": 36}
